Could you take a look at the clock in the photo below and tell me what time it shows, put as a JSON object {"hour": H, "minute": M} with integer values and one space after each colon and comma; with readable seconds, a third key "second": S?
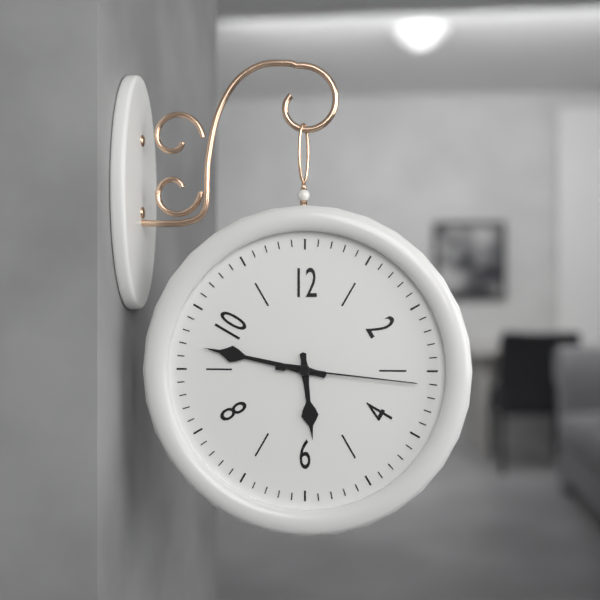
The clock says {"hour": 5, "minute": 47, "second": 16}
